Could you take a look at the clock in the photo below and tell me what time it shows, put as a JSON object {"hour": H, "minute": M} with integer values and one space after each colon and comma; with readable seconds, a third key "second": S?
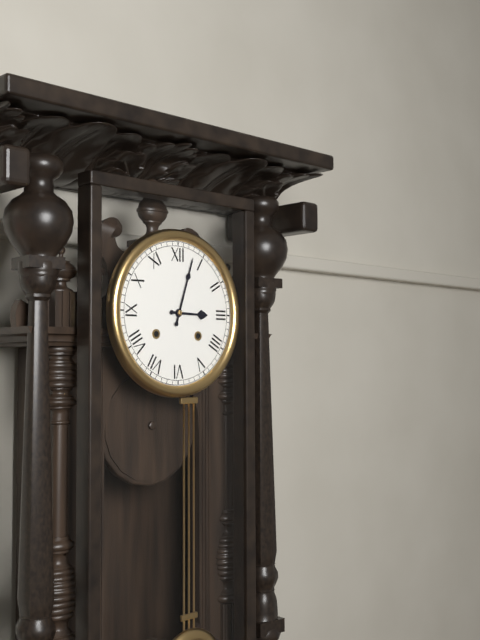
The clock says {"hour": 3, "minute": 3}
